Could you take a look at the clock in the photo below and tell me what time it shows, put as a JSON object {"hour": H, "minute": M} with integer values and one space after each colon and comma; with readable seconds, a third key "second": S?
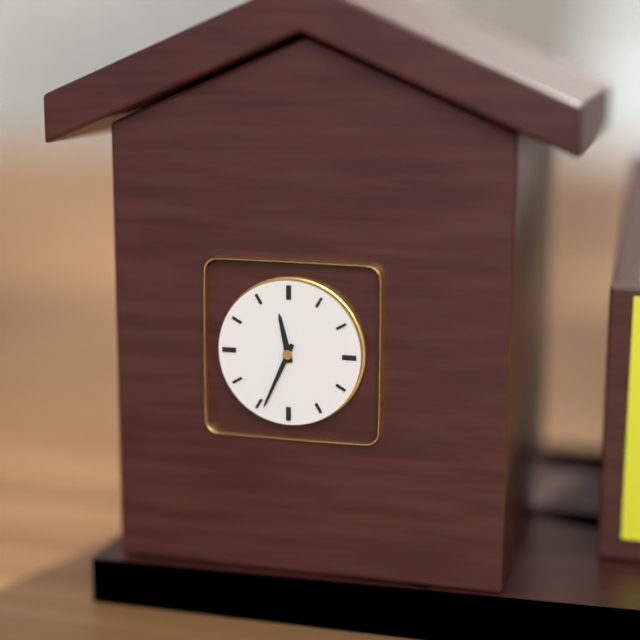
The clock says {"hour": 11, "minute": 34}
